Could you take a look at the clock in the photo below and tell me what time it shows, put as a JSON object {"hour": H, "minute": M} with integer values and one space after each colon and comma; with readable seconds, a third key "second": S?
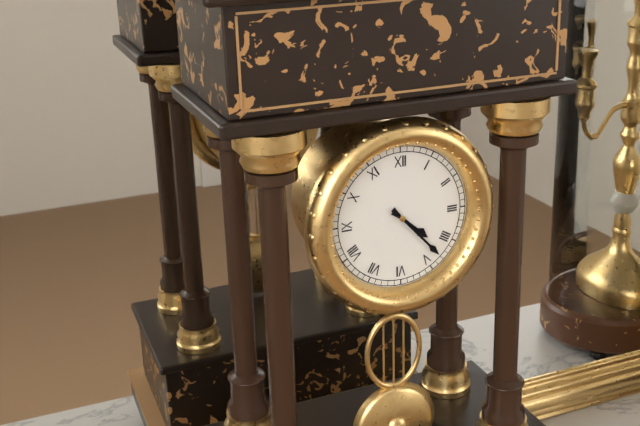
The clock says {"hour": 4, "minute": 23}
